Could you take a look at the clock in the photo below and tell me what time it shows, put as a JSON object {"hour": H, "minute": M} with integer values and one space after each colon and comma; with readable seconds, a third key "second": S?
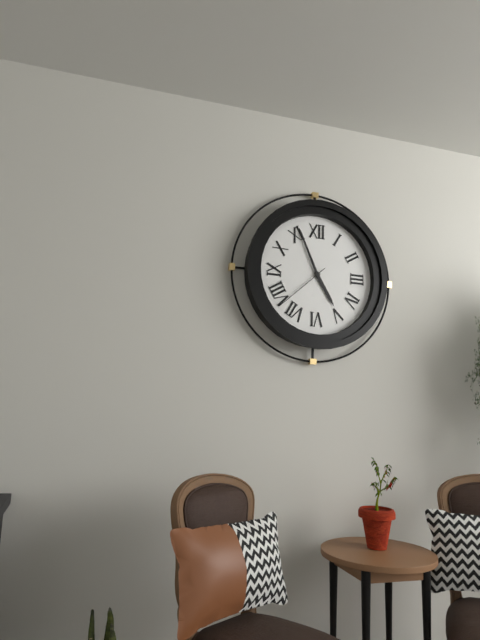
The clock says {"hour": 4, "minute": 56, "second": 38}
